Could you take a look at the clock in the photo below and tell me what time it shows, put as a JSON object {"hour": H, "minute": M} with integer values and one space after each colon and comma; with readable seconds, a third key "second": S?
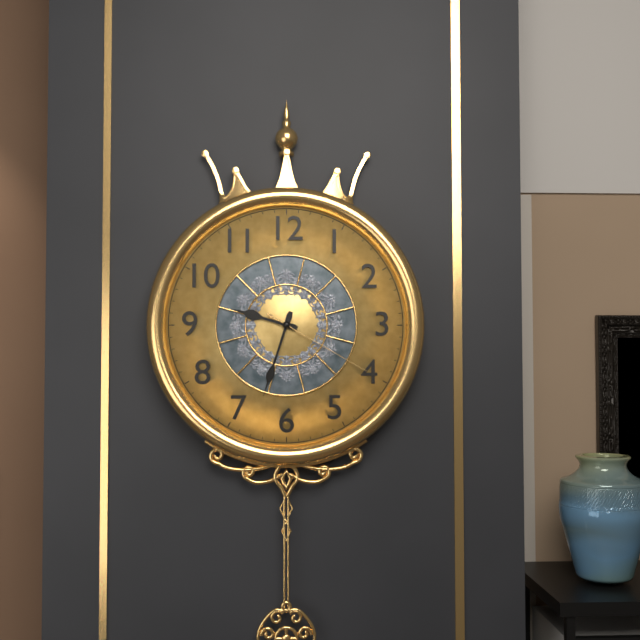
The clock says {"hour": 9, "minute": 33, "second": 20}
